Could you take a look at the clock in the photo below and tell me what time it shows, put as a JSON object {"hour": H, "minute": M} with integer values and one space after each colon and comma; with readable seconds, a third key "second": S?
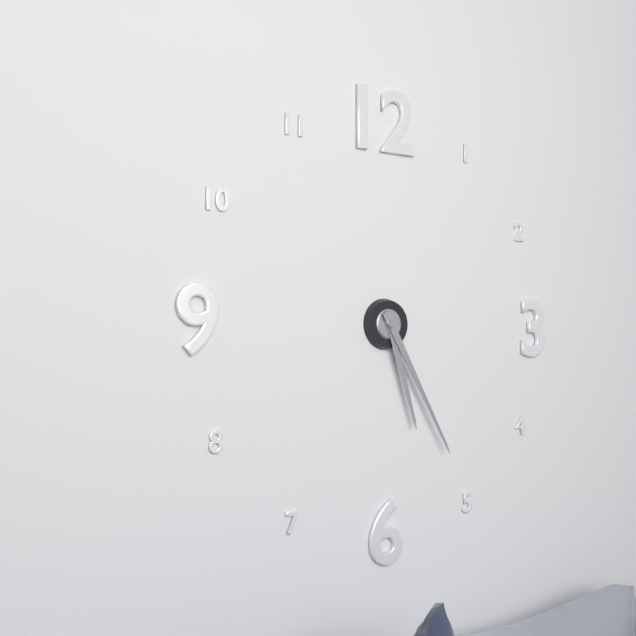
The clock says {"hour": 5, "minute": 25}
